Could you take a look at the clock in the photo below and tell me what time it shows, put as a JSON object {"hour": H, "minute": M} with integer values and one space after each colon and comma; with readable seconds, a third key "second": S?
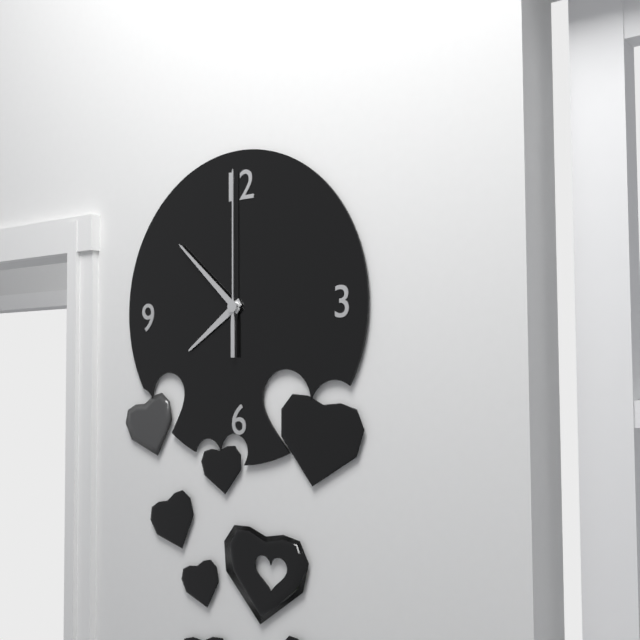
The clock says {"hour": 7, "minute": 52, "second": 0}
